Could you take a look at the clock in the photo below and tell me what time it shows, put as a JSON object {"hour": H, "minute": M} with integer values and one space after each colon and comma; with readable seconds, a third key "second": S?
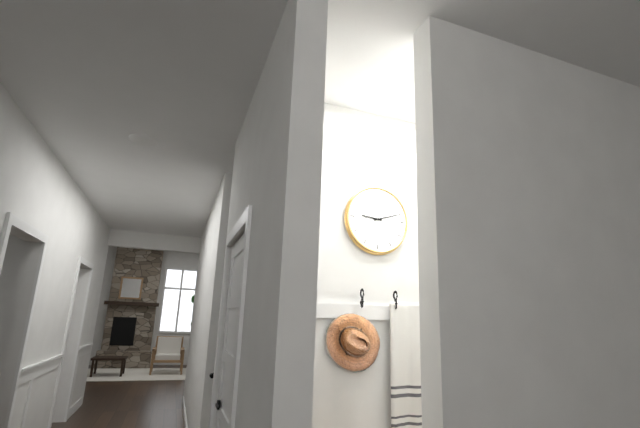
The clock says {"hour": 9, "minute": 12}
